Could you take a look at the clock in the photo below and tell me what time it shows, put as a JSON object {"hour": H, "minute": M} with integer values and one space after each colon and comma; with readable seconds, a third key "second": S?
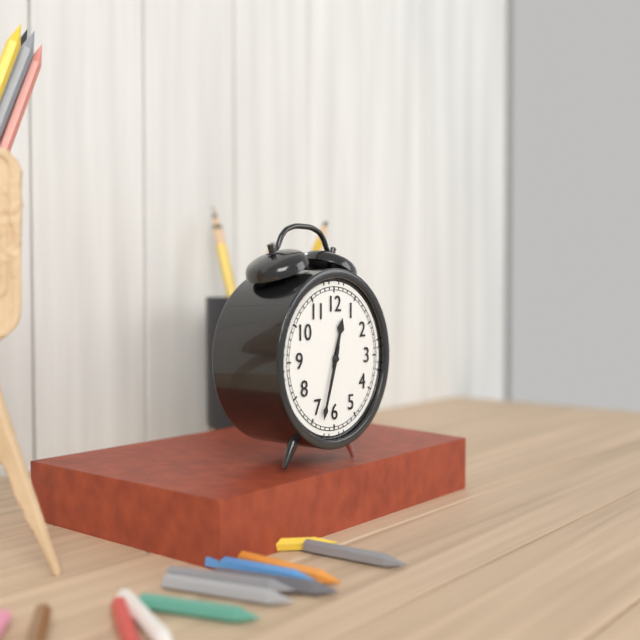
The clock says {"hour": 12, "minute": 33}
